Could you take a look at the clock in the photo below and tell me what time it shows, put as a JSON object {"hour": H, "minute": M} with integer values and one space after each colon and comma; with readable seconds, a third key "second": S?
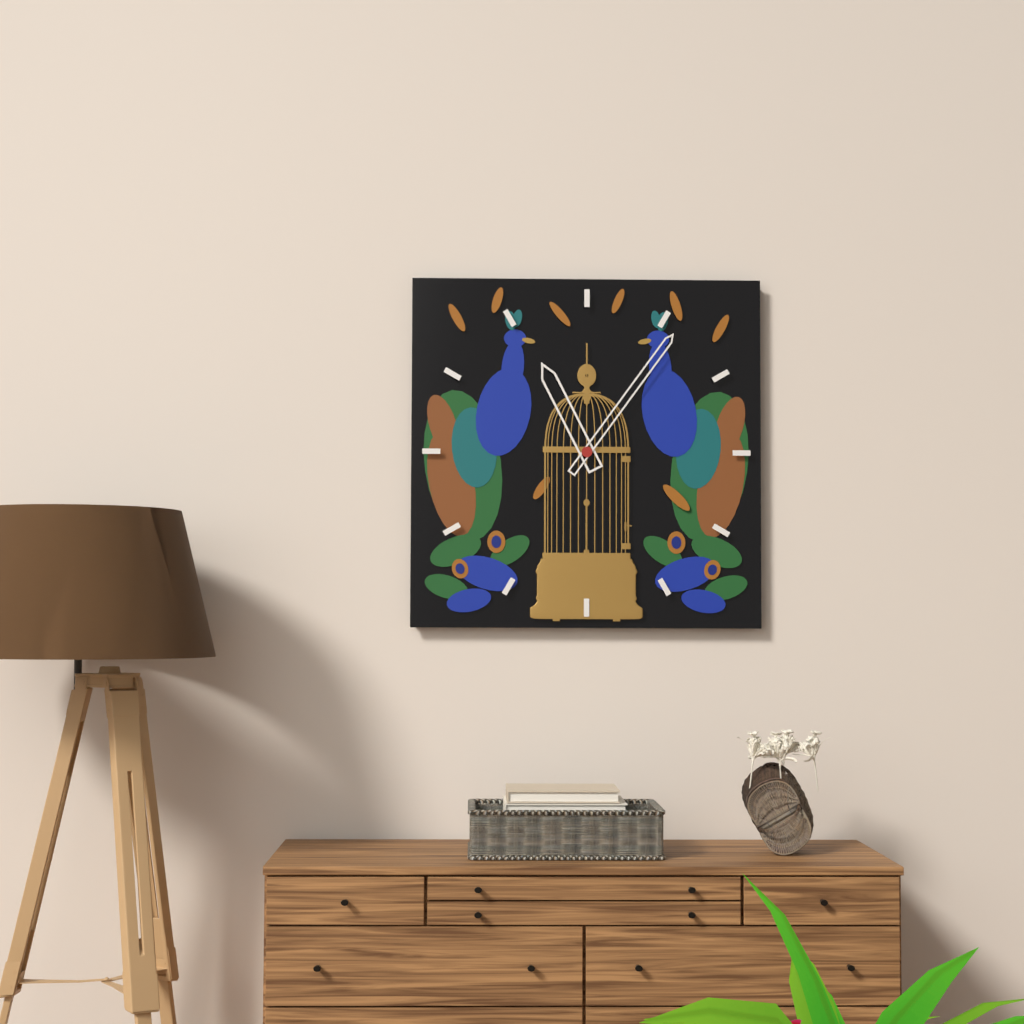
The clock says {"hour": 11, "minute": 6}
